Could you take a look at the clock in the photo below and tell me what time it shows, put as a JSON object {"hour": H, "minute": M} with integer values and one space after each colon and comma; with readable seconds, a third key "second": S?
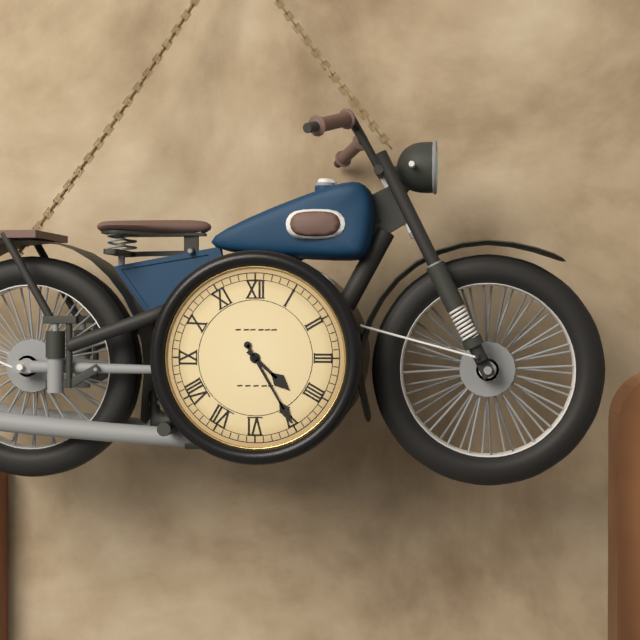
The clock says {"hour": 4, "minute": 25}
